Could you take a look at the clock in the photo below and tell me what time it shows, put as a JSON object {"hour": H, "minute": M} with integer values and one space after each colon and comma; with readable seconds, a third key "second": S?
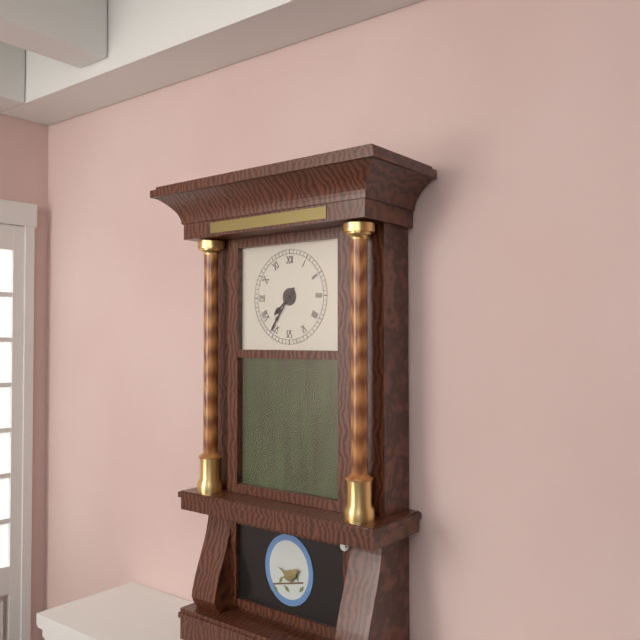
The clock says {"hour": 7, "minute": 36}
